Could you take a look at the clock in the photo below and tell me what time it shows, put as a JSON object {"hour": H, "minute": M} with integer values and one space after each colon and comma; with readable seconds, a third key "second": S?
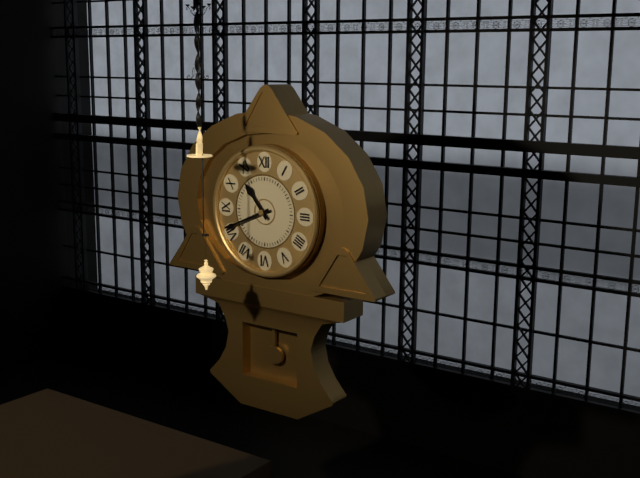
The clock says {"hour": 10, "minute": 41}
